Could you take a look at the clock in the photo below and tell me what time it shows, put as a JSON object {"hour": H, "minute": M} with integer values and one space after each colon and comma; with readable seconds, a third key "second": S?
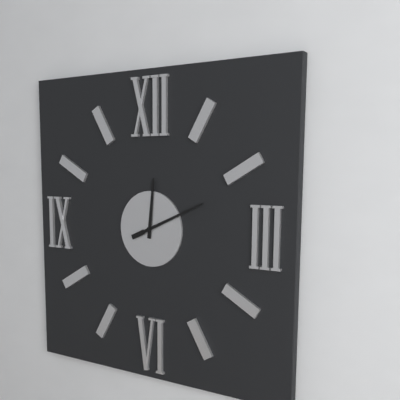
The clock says {"hour": 12, "minute": 11}
